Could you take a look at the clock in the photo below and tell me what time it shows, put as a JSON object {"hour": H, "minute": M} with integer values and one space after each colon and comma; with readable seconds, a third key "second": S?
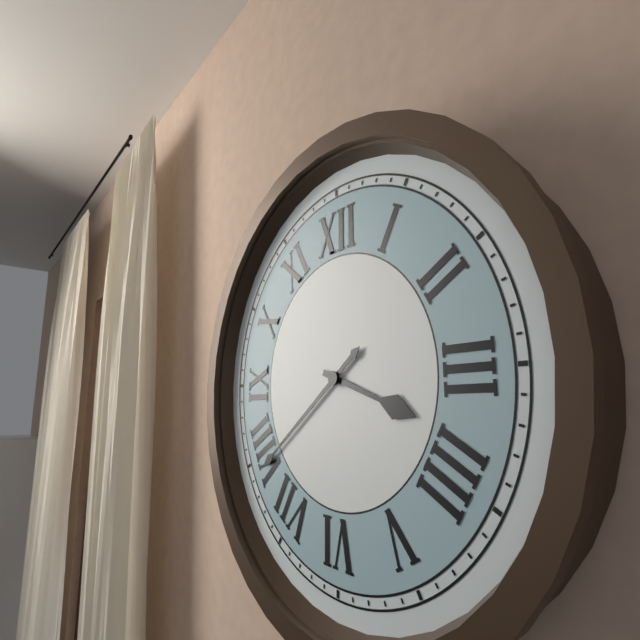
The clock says {"hour": 3, "minute": 39}
